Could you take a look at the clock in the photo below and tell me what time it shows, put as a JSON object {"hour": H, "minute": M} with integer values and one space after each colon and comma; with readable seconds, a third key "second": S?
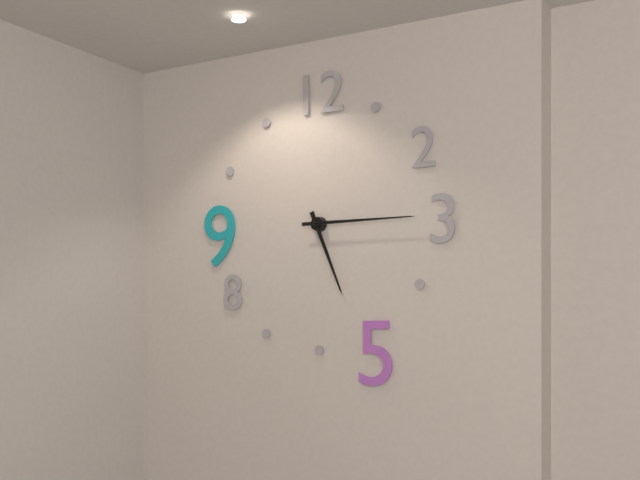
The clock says {"hour": 5, "minute": 15}
